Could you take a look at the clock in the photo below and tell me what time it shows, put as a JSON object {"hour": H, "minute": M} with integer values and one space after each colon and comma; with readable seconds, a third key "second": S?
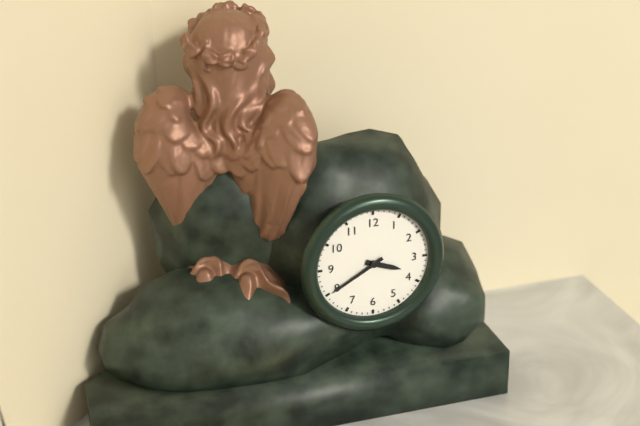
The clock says {"hour": 3, "minute": 40}
